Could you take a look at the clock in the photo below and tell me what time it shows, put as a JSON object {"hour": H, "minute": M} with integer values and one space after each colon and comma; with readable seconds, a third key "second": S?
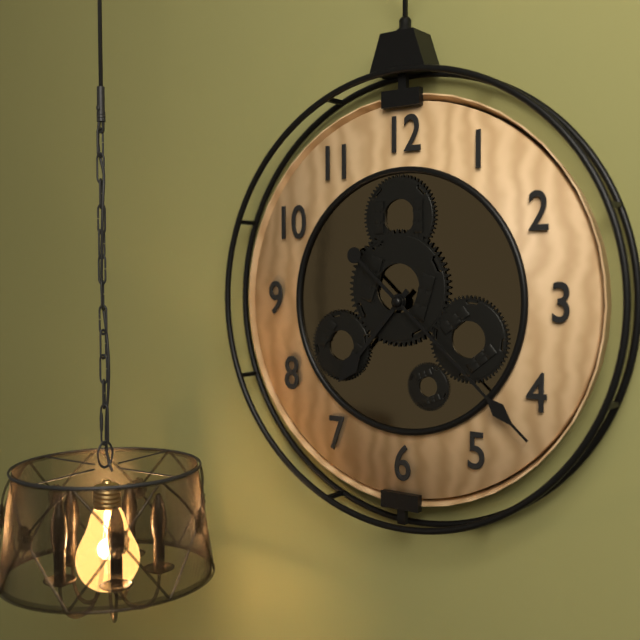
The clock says {"hour": 7, "minute": 22}
